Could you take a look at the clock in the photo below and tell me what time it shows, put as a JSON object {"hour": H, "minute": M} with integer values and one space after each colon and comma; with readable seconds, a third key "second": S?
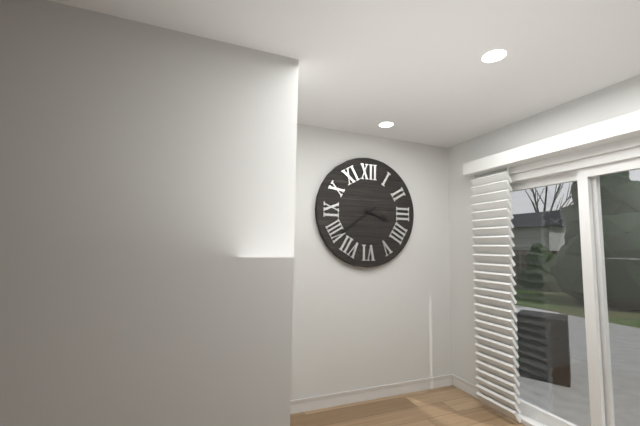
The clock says {"hour": 3, "minute": 39}
